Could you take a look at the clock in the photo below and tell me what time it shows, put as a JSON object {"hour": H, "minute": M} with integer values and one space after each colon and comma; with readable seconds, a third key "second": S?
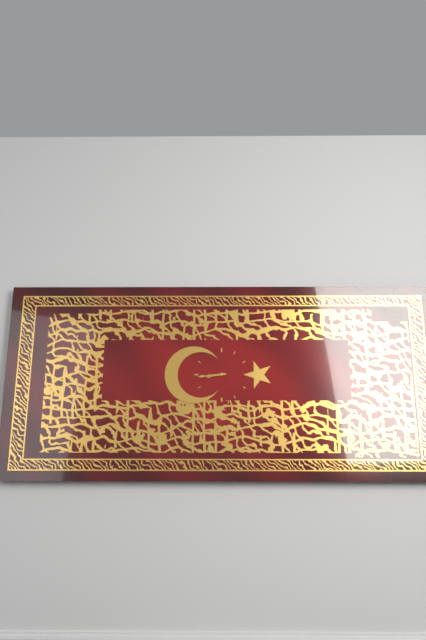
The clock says {"hour": 8, "minute": 44}
